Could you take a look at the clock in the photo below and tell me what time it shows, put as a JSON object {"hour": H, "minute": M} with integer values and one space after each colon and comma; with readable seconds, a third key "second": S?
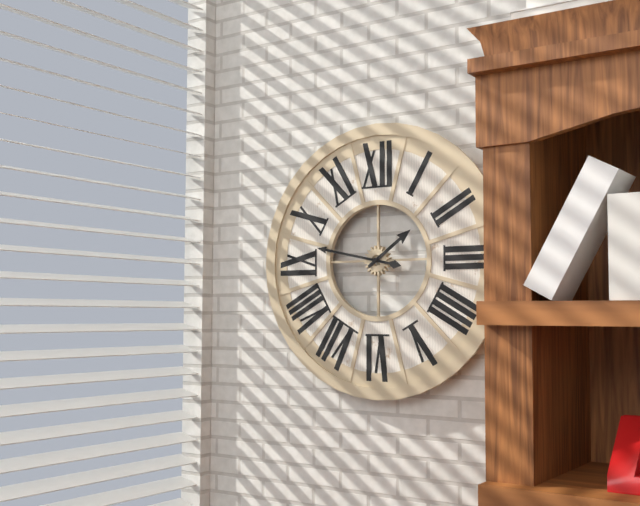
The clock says {"hour": 1, "minute": 47}
